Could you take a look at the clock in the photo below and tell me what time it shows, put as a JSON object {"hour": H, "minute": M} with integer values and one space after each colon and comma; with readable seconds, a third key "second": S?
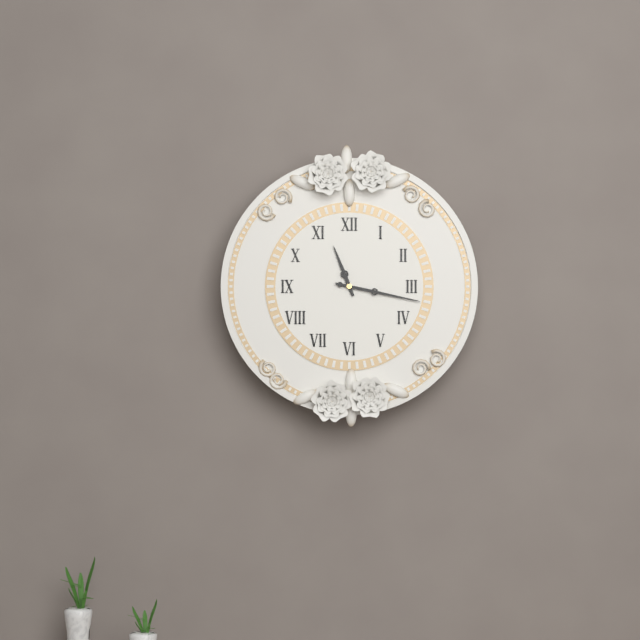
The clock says {"hour": 11, "minute": 17}
